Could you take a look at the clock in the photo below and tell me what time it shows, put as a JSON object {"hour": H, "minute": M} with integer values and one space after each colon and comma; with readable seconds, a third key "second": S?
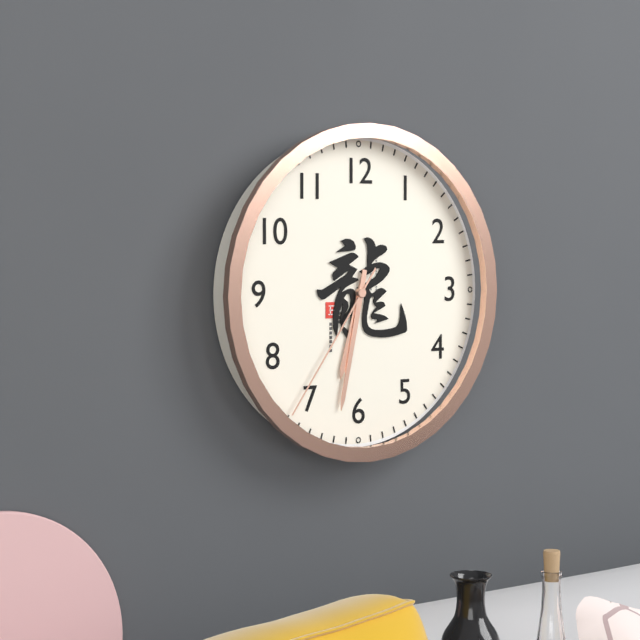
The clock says {"hour": 6, "minute": 32, "second": 36}
